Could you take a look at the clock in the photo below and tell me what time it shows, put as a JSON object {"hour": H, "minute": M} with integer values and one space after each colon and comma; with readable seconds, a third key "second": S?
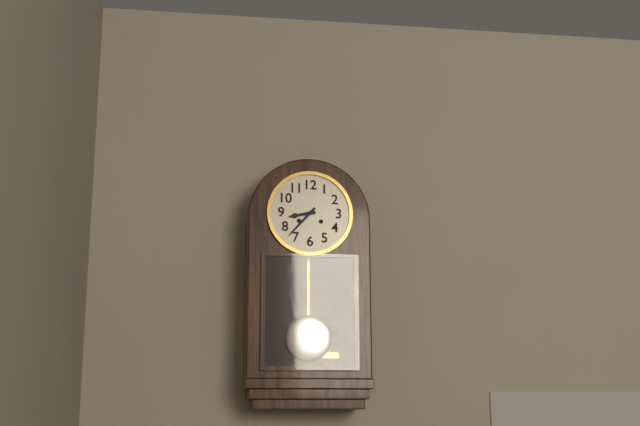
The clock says {"hour": 8, "minute": 37}
